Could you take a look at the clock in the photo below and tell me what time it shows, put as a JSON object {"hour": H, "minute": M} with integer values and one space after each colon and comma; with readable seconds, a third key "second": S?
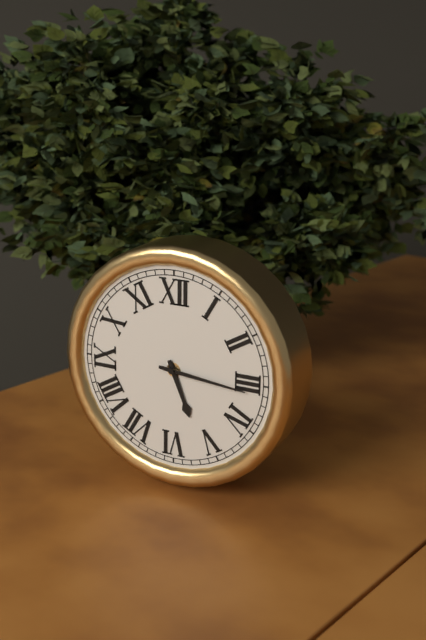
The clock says {"hour": 5, "minute": 16}
